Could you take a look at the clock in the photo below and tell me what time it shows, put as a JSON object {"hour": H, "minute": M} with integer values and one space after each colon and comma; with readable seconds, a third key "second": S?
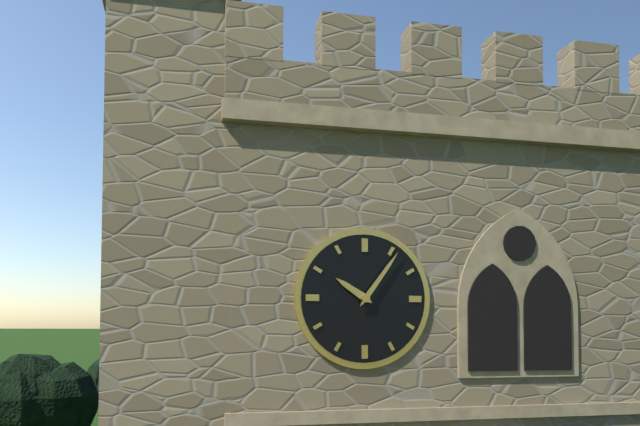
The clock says {"hour": 10, "minute": 6}
